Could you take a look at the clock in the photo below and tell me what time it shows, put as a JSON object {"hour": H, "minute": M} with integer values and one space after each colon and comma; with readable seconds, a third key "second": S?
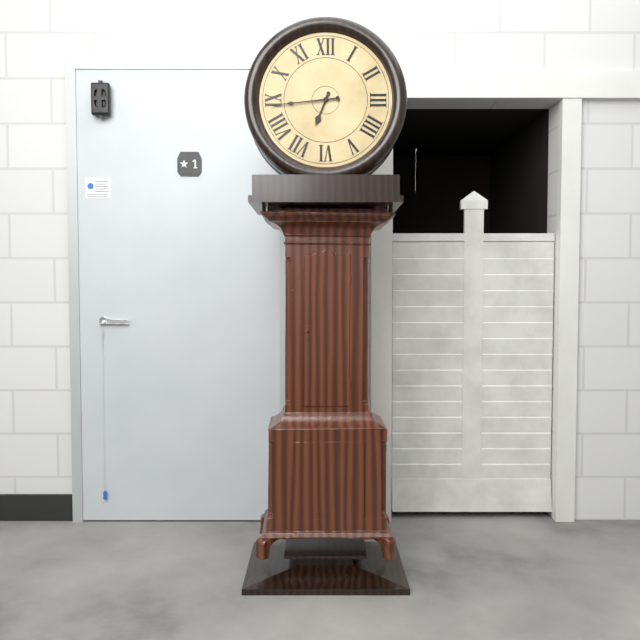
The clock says {"hour": 6, "minute": 44}
